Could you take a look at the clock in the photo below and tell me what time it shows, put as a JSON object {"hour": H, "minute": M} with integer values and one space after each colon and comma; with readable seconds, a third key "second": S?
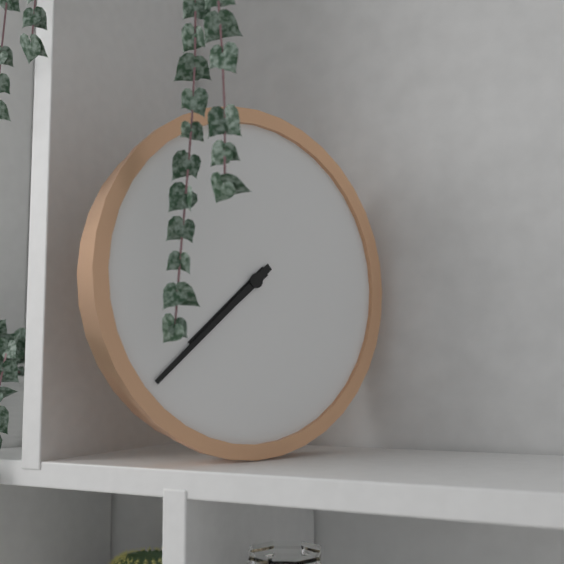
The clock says {"hour": 7, "minute": 38}
